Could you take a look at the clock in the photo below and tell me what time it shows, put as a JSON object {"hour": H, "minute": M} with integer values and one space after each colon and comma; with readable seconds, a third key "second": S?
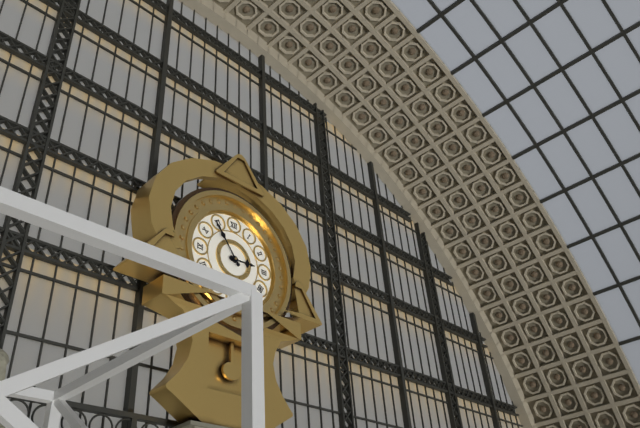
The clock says {"hour": 2, "minute": 54}
